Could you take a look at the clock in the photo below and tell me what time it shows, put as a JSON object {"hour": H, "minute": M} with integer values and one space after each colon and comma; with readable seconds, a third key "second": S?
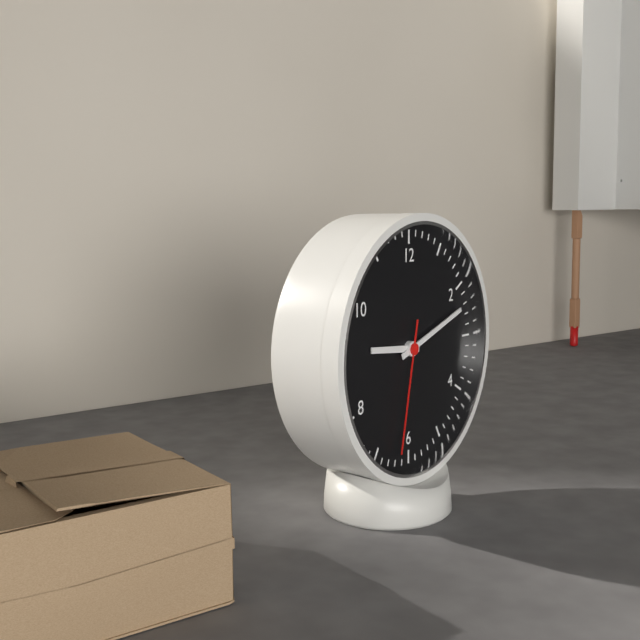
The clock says {"hour": 9, "minute": 12, "second": 32}
